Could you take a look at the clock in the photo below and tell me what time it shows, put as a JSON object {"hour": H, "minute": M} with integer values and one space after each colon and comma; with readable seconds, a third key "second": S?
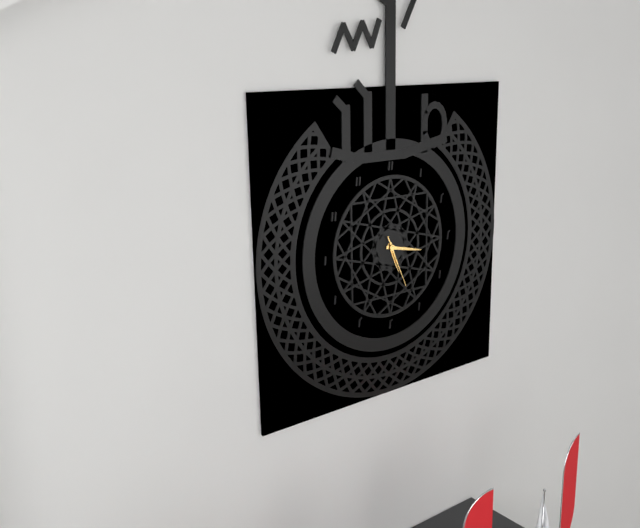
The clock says {"hour": 5, "minute": 17, "second": 26}
